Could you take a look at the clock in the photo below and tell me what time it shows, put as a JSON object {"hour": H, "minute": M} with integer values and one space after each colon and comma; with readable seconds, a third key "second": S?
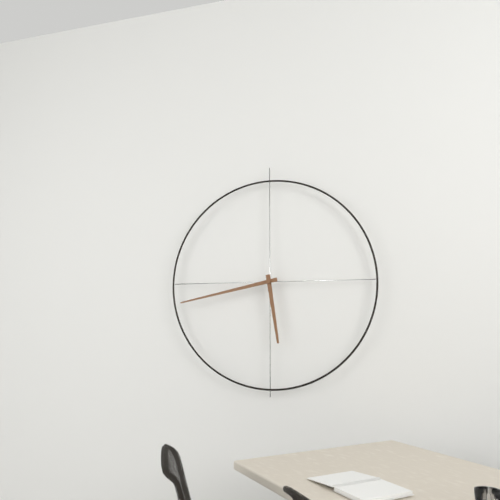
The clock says {"hour": 5, "minute": 43}
